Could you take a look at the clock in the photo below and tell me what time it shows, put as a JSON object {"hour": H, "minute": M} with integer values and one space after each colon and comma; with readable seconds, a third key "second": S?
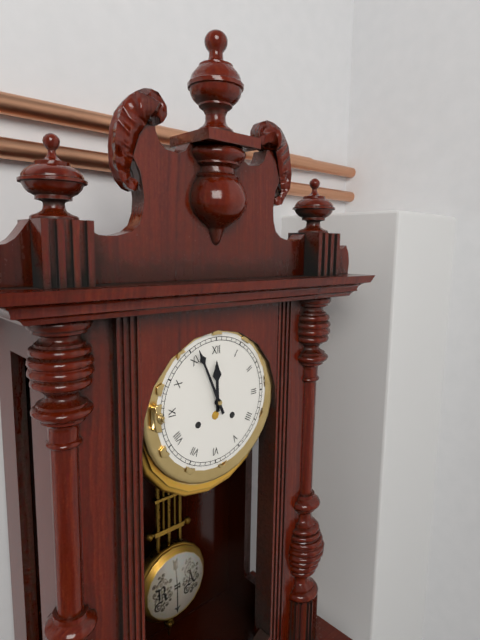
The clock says {"hour": 11, "minute": 56}
